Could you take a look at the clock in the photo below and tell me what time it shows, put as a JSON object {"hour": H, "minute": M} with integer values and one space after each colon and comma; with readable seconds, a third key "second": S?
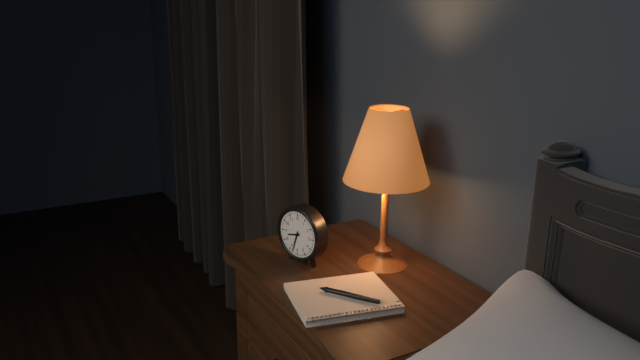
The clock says {"hour": 8, "minute": 33}
